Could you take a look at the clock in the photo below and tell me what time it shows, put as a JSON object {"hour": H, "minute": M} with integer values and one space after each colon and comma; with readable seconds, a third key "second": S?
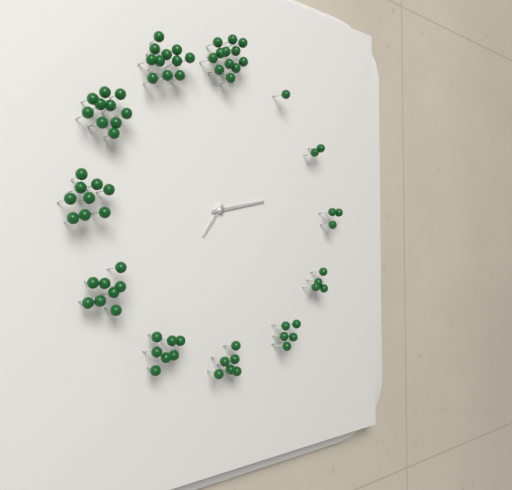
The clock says {"hour": 7, "minute": 13}
